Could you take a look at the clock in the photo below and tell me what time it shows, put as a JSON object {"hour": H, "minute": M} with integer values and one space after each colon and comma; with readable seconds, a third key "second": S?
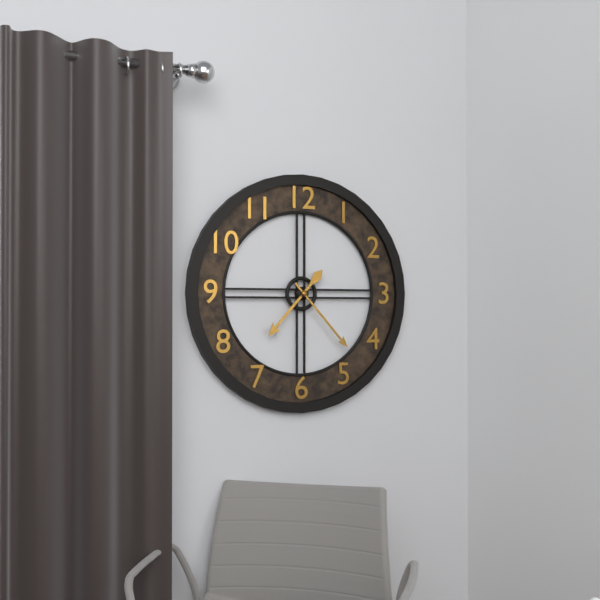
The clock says {"hour": 7, "minute": 23}
